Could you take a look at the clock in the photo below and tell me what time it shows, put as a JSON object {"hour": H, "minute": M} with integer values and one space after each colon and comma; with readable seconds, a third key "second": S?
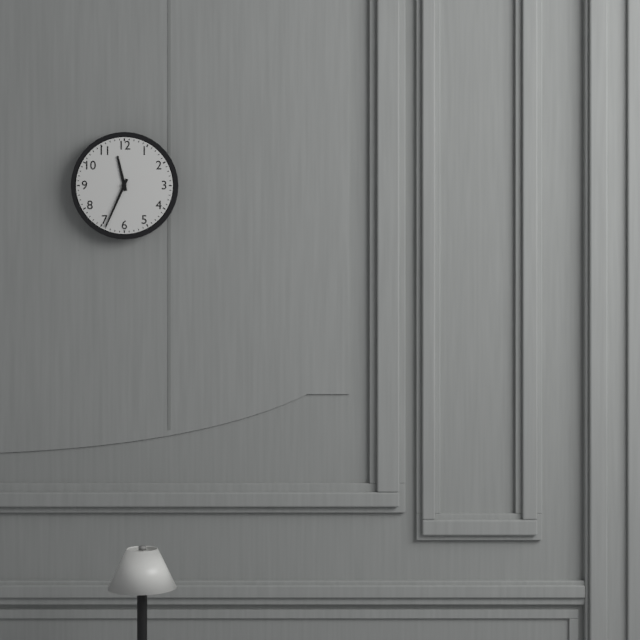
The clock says {"hour": 11, "minute": 34}
